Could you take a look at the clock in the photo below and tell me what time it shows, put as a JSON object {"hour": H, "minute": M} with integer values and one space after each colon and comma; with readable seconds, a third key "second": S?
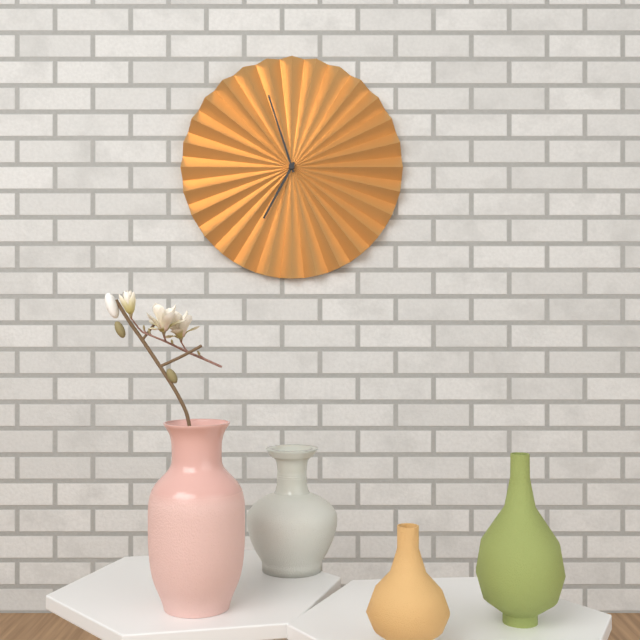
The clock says {"hour": 6, "minute": 57}
